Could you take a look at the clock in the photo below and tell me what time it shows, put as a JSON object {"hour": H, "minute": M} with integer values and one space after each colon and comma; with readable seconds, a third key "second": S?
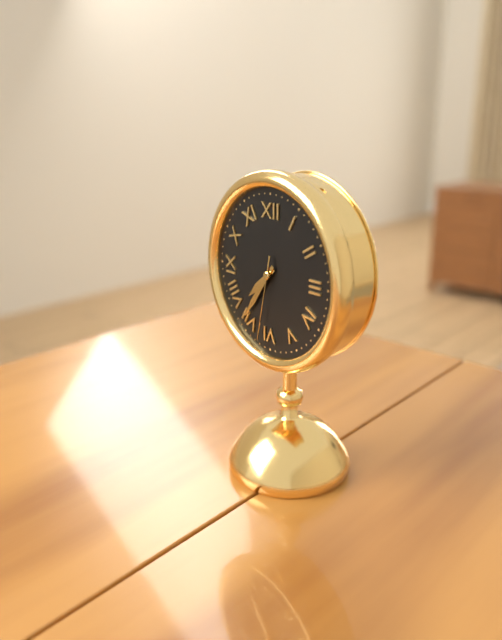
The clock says {"hour": 7, "minute": 36, "second": 32}
